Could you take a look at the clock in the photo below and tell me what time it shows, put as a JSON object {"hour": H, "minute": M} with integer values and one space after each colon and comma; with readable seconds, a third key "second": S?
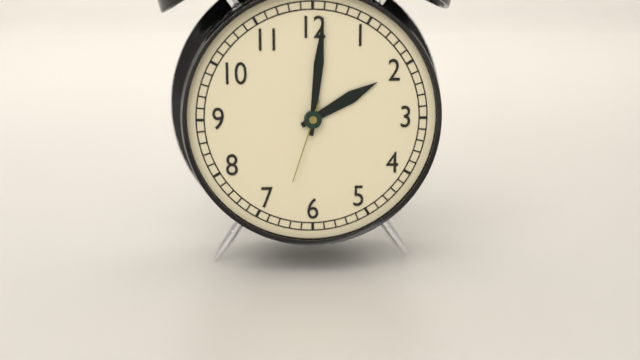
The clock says {"hour": 2, "minute": 1, "second": 33}
